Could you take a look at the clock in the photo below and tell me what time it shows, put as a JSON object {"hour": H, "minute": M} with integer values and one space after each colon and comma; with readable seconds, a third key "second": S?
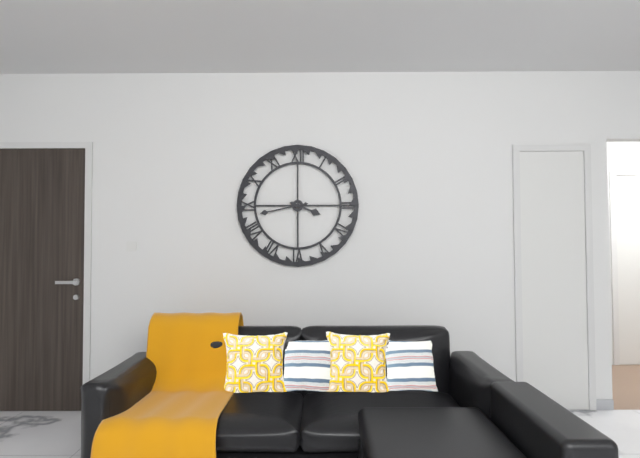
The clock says {"hour": 3, "minute": 43}
